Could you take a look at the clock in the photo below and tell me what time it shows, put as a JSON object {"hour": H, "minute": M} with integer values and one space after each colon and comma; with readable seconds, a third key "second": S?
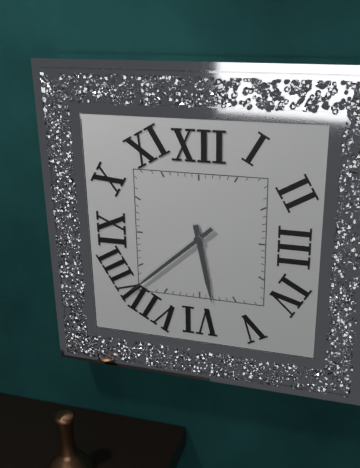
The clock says {"hour": 5, "minute": 38}
